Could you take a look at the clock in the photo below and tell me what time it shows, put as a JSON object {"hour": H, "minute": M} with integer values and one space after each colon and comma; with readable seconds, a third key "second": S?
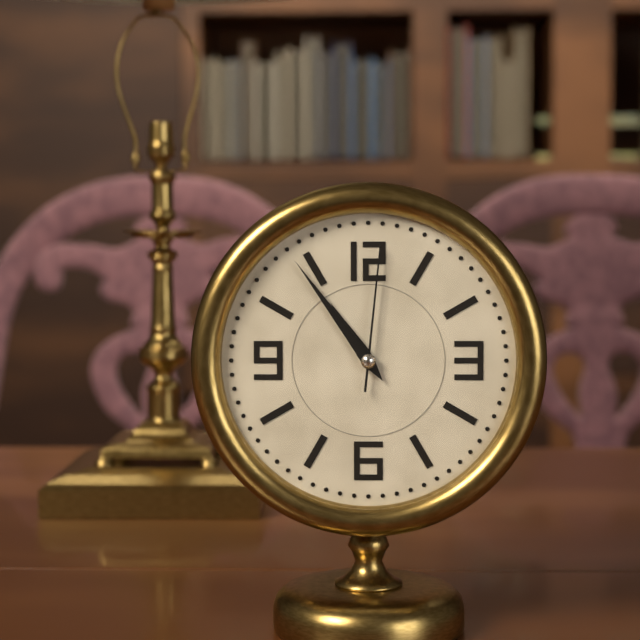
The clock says {"hour": 10, "minute": 54, "second": 1}
